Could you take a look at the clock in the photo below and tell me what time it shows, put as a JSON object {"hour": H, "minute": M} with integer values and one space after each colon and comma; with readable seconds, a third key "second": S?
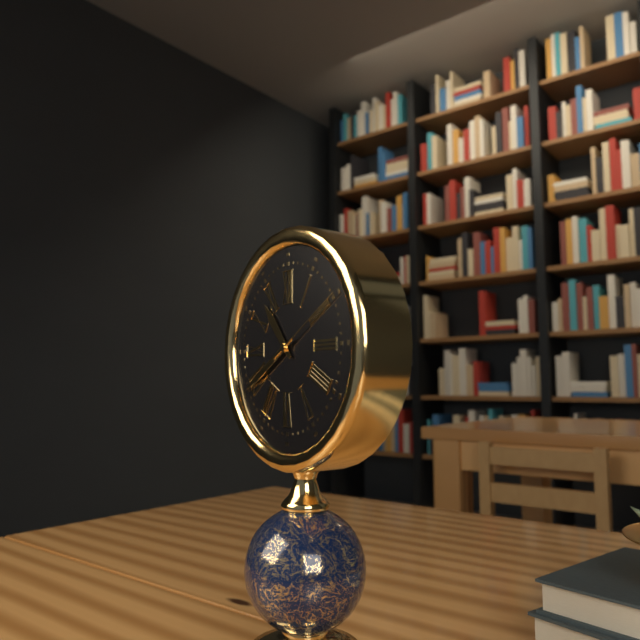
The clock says {"hour": 10, "minute": 40, "second": 10}
